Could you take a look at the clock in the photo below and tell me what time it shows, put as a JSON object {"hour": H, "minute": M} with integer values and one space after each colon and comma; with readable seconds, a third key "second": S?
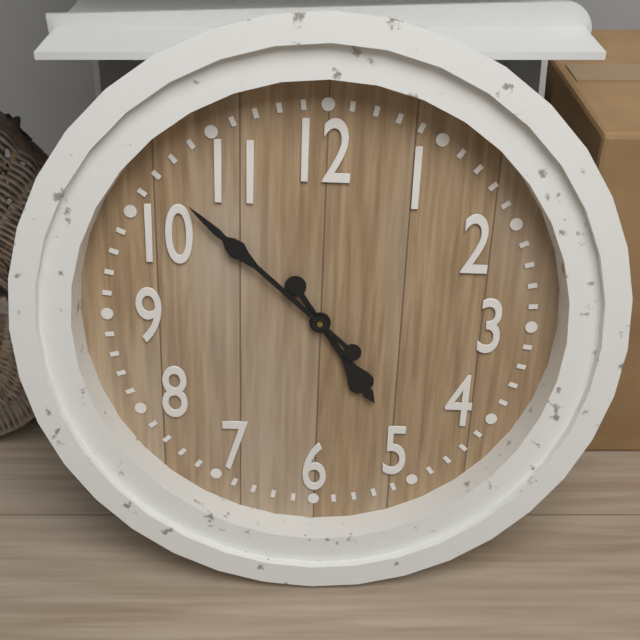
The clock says {"hour": 4, "minute": 52}
